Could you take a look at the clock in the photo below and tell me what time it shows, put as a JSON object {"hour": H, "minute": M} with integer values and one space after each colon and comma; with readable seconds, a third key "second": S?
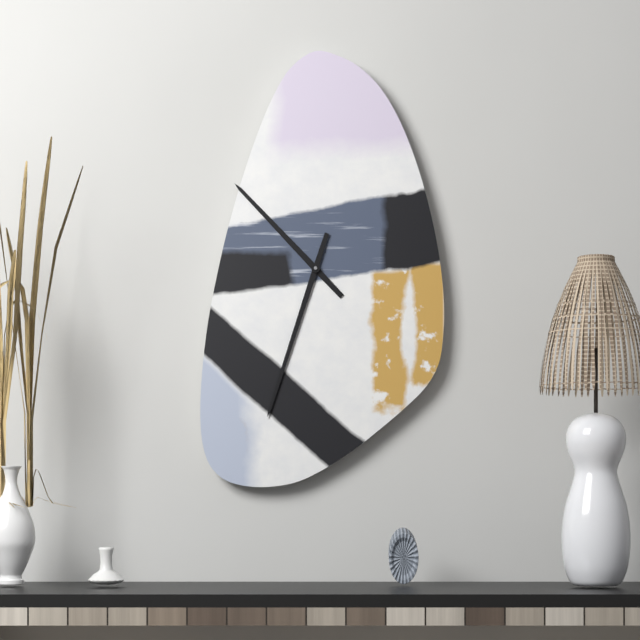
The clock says {"hour": 10, "minute": 33}
